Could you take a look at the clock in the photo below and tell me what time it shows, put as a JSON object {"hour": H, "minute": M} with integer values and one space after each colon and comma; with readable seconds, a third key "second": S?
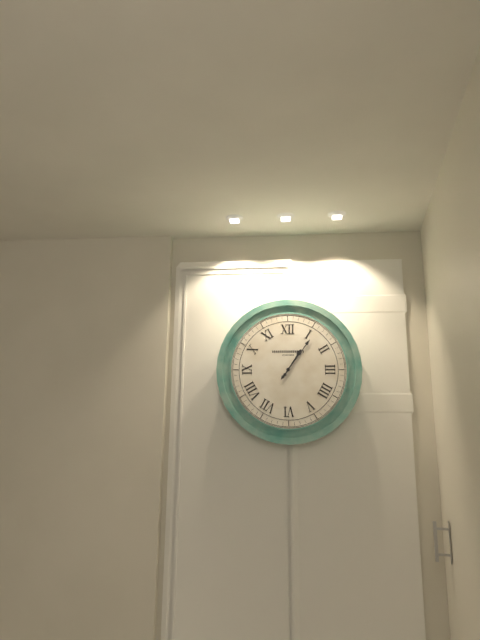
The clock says {"hour": 1, "minute": 6}
